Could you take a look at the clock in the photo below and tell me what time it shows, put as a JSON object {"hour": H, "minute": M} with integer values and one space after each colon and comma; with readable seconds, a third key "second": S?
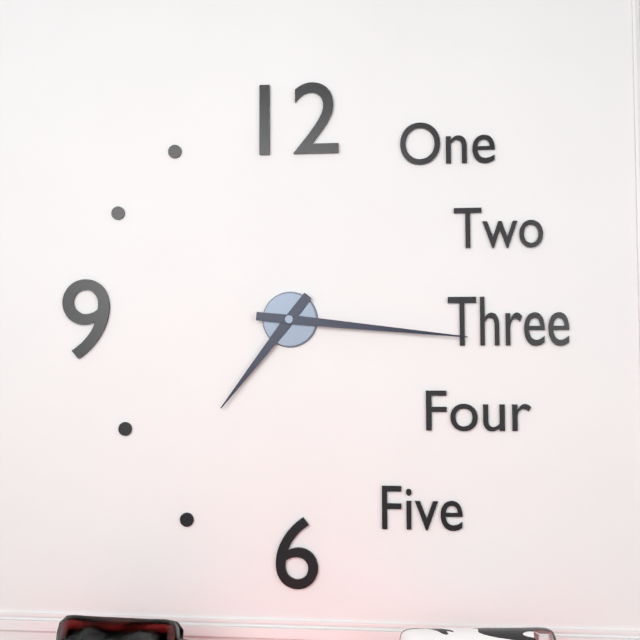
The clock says {"hour": 7, "minute": 16}
